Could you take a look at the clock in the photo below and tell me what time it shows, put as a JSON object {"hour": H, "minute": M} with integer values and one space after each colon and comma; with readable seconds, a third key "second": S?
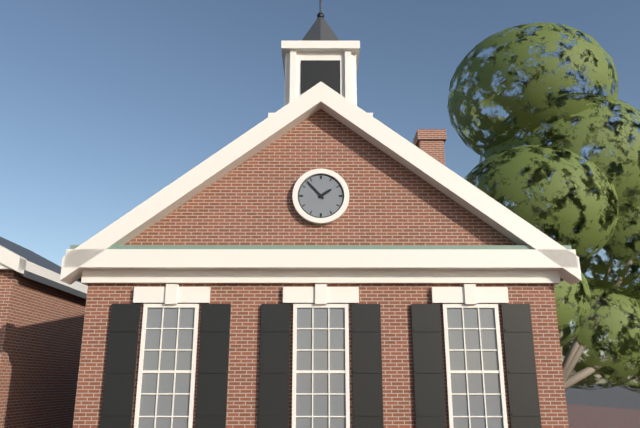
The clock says {"hour": 1, "minute": 53}
